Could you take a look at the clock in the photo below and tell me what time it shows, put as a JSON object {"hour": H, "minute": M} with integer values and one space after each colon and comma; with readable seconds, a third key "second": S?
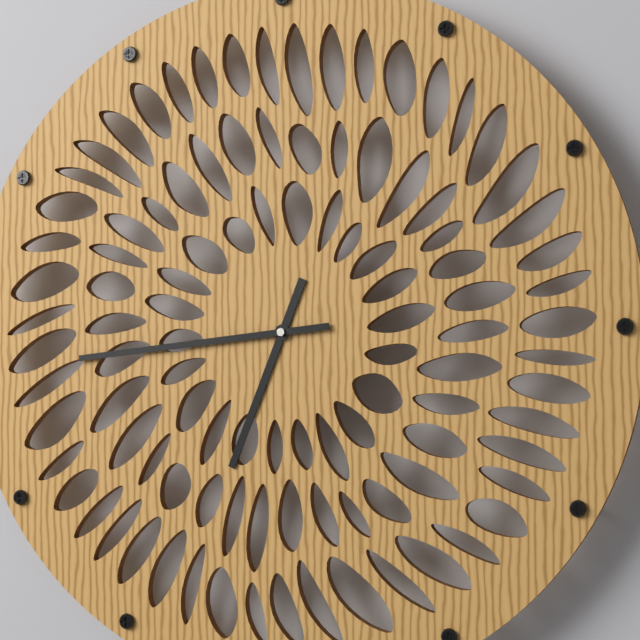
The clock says {"hour": 6, "minute": 44}
